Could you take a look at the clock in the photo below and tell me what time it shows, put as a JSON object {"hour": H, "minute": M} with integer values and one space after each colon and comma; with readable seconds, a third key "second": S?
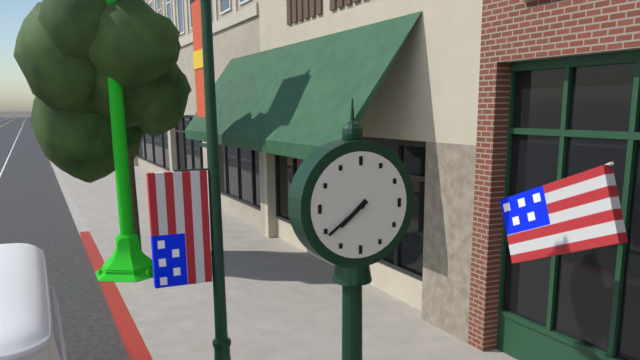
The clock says {"hour": 7, "minute": 39}
